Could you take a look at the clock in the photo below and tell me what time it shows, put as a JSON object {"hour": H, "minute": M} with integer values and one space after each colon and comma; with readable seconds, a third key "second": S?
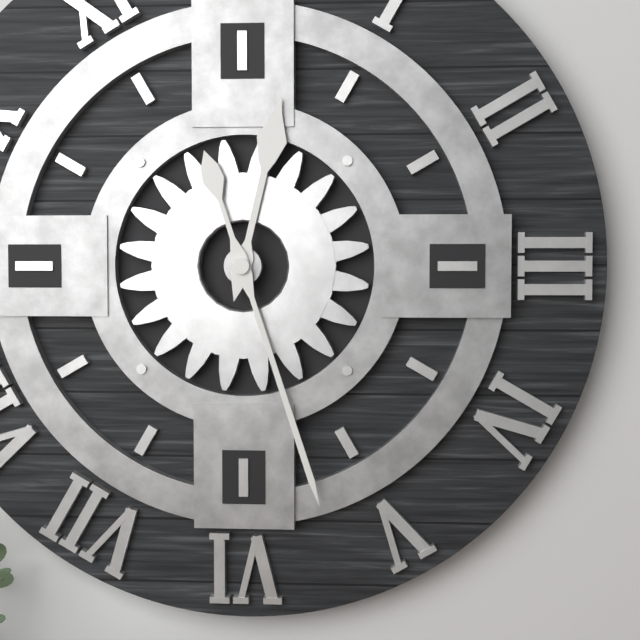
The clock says {"hour": 12, "minute": 27}
